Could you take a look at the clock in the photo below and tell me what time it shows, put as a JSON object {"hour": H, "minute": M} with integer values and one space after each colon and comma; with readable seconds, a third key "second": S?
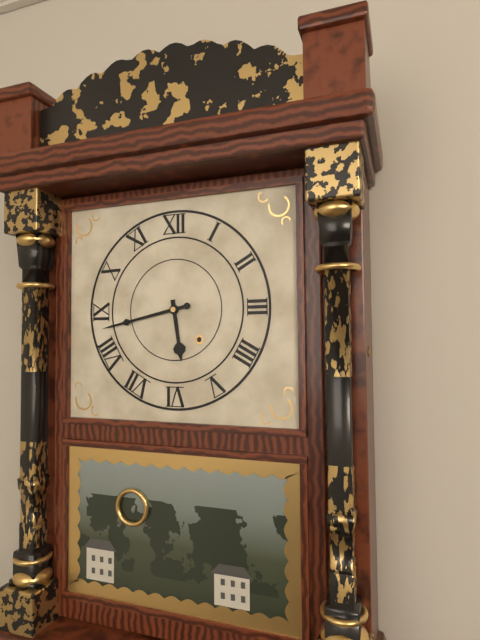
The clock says {"hour": 5, "minute": 43}
